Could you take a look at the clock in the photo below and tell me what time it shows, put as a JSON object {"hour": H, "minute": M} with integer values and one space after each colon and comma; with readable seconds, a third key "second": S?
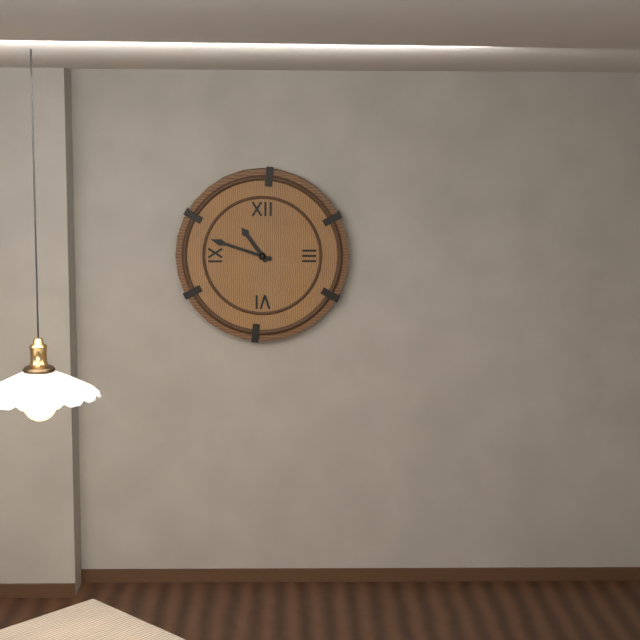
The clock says {"hour": 10, "minute": 48}
